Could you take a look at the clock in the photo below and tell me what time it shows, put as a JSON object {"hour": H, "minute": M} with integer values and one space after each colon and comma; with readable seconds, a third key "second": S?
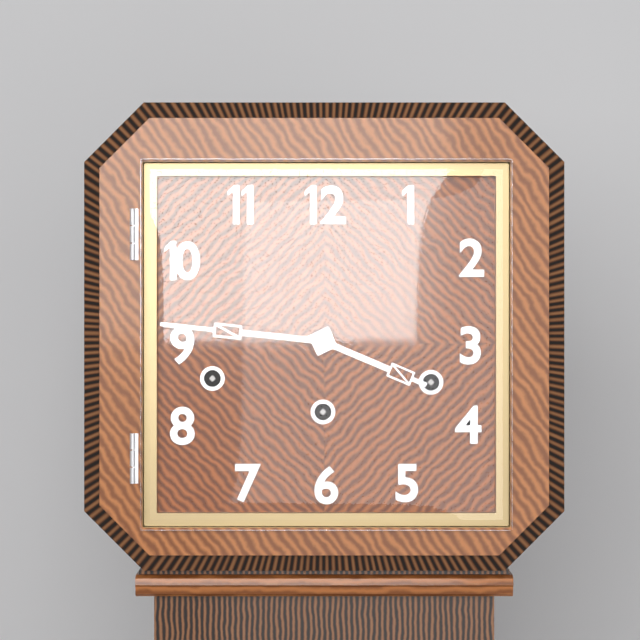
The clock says {"hour": 3, "minute": 46}
